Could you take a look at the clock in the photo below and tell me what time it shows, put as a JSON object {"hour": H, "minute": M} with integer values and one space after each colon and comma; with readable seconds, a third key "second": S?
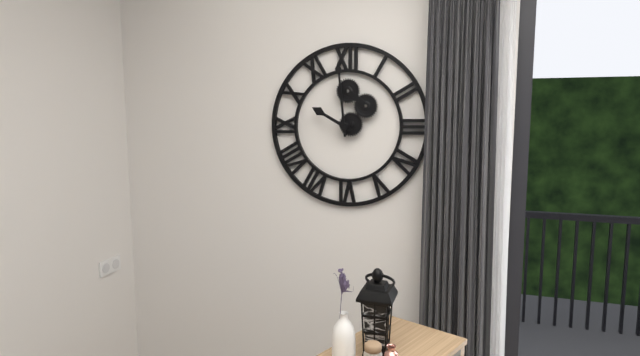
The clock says {"hour": 9, "minute": 59}
